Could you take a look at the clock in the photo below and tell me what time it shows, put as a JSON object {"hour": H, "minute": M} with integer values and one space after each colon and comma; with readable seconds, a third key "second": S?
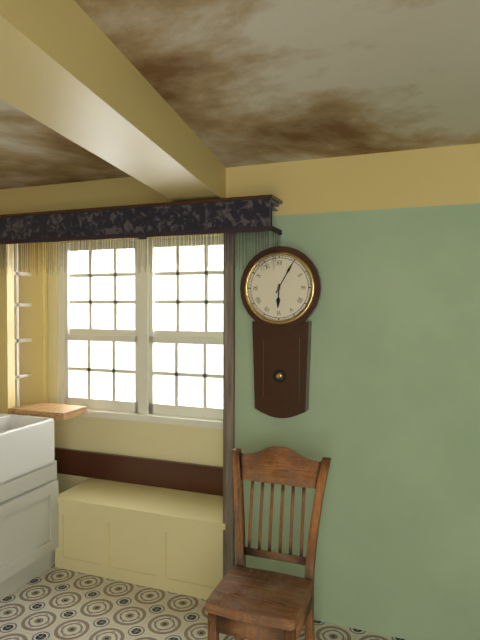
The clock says {"hour": 6, "minute": 5}
